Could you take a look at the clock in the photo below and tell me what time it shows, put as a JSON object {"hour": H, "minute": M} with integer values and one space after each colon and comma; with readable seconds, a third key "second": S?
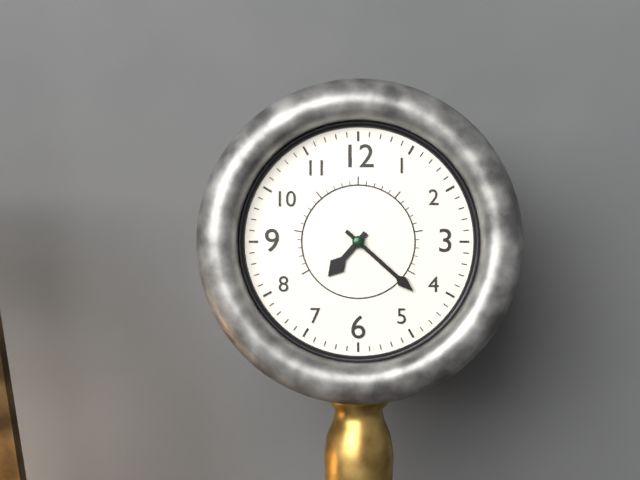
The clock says {"hour": 7, "minute": 22}
